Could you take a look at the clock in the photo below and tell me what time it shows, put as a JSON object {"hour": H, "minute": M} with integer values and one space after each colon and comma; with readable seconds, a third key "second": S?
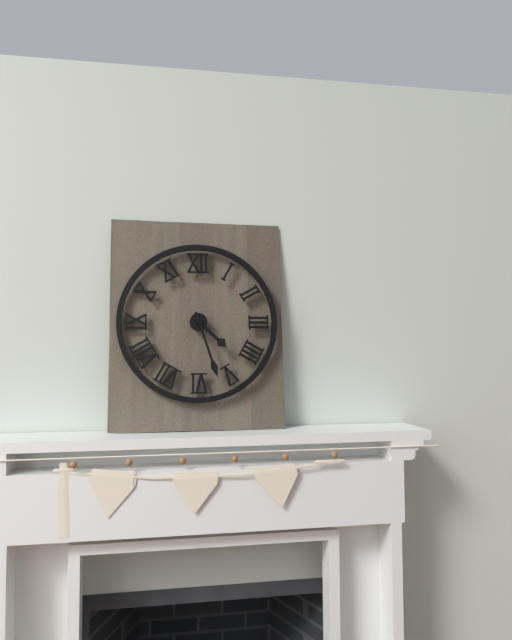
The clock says {"hour": 4, "minute": 27}
